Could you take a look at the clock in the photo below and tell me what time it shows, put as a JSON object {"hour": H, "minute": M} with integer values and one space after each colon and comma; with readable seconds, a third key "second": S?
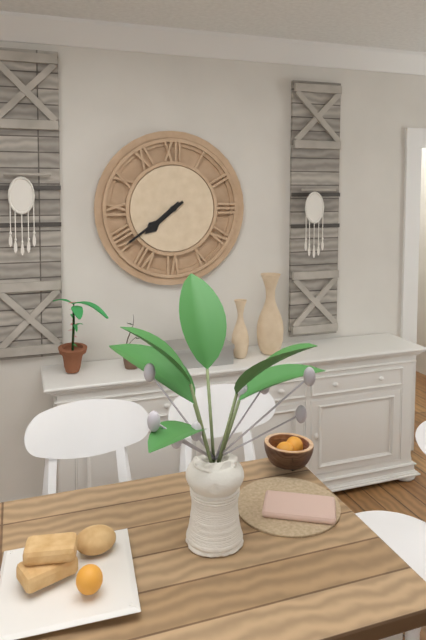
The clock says {"hour": 7, "minute": 39}
